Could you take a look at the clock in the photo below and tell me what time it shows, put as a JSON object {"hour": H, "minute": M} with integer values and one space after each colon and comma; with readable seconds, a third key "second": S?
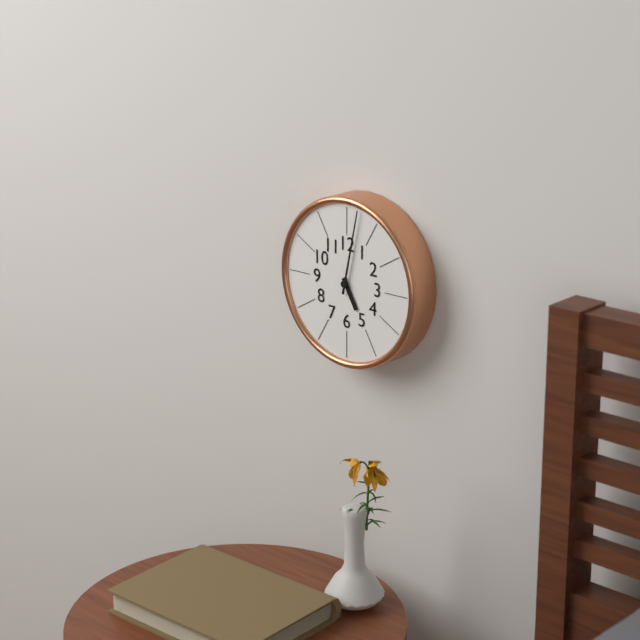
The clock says {"hour": 5, "minute": 2}
